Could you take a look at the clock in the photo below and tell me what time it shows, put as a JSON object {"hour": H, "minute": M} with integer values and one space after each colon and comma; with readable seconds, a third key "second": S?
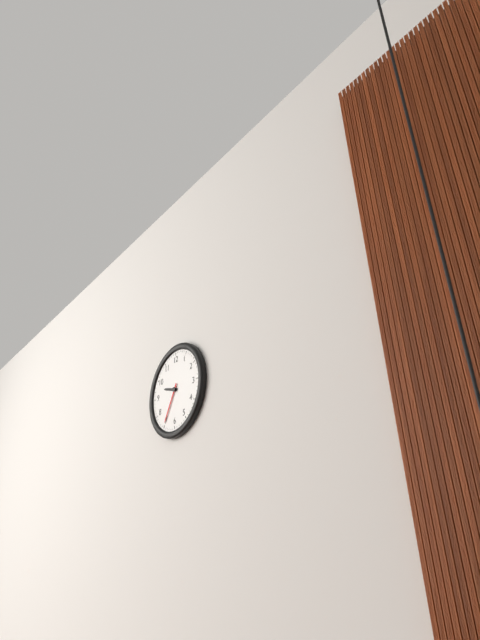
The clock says {"hour": 9, "minute": 35}
